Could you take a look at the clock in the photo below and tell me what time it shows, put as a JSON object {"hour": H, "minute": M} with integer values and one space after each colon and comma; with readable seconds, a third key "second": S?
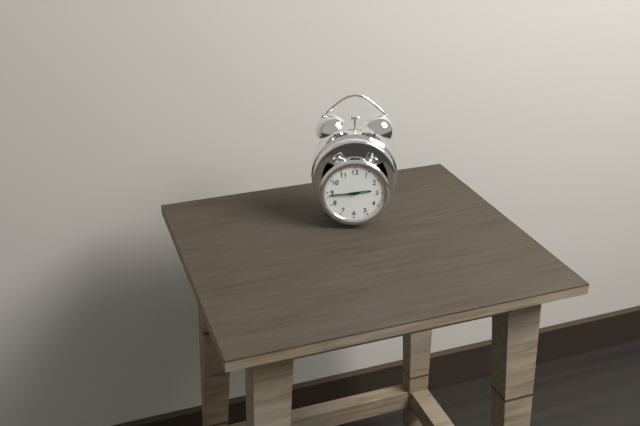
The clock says {"hour": 2, "minute": 44}
